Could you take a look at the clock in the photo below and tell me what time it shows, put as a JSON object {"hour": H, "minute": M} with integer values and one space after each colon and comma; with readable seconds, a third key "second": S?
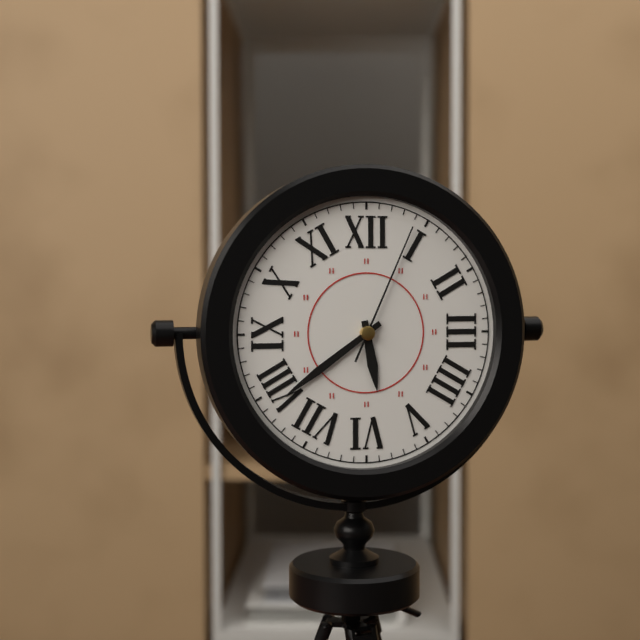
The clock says {"hour": 5, "minute": 39, "second": 4}
